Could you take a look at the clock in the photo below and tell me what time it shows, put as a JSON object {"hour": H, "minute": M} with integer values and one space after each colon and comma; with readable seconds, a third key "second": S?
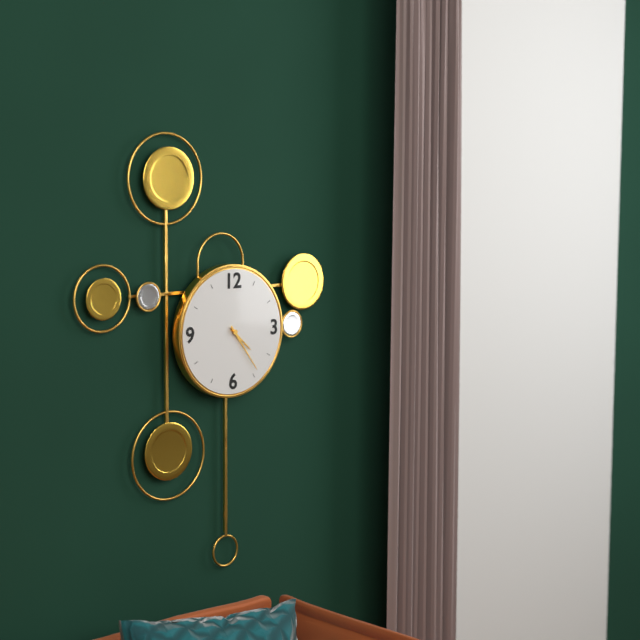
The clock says {"hour": 4, "minute": 24}
